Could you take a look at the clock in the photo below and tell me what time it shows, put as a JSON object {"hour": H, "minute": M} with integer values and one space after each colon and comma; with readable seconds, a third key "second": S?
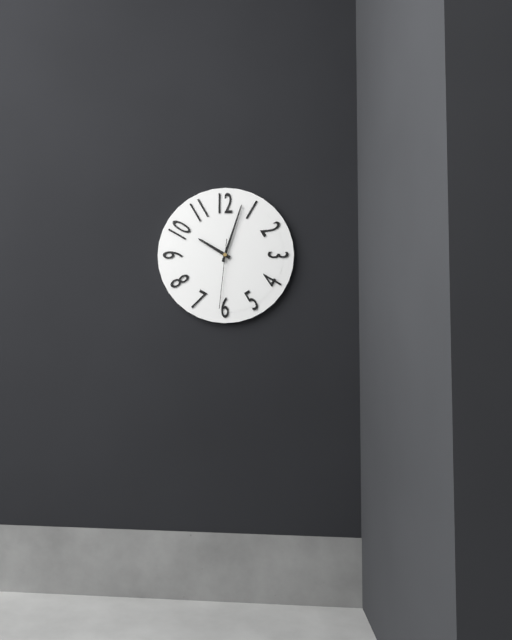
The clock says {"hour": 10, "minute": 3, "second": 31}
